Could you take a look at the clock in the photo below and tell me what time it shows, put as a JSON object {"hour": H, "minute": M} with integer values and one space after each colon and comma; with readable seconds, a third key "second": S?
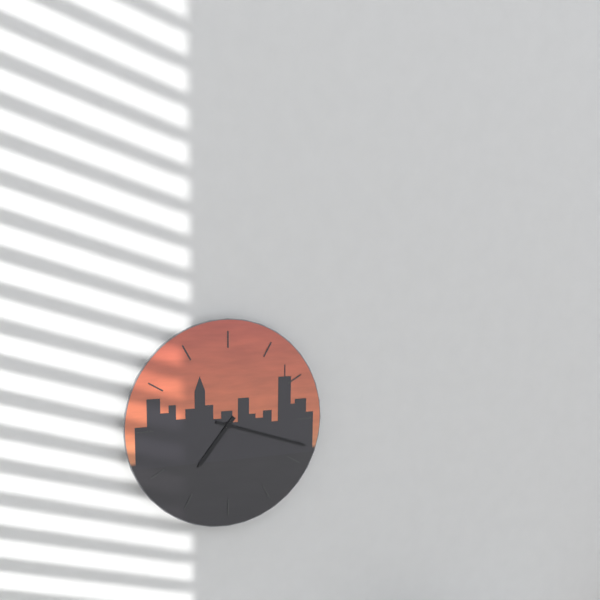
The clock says {"hour": 7, "minute": 18}
